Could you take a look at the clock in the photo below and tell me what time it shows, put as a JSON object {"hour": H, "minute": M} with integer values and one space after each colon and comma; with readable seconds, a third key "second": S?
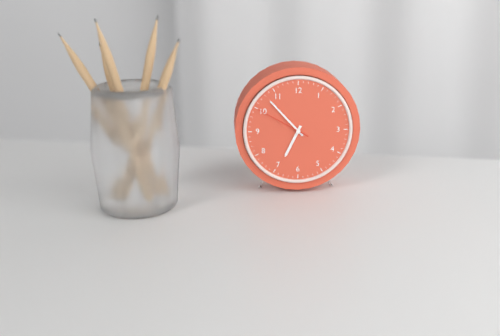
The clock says {"hour": 6, "minute": 53, "second": 50}
